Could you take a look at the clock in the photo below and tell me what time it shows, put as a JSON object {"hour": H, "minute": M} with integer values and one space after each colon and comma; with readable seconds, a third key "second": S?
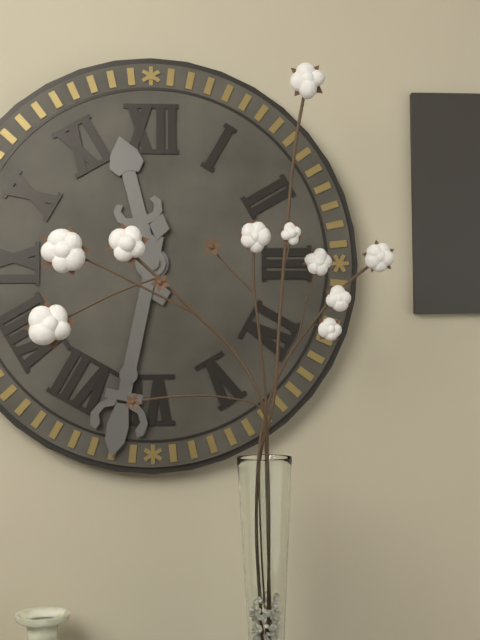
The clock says {"hour": 11, "minute": 32}
